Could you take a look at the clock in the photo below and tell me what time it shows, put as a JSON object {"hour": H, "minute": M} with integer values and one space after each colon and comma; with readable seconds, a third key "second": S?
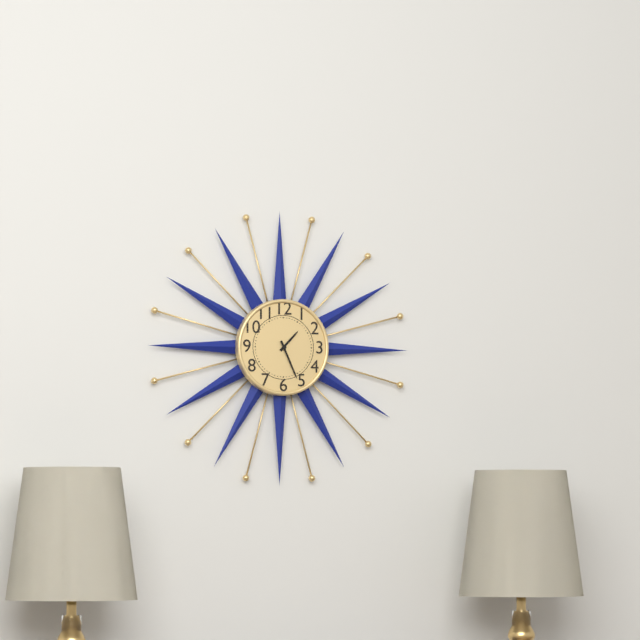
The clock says {"hour": 1, "minute": 26}
